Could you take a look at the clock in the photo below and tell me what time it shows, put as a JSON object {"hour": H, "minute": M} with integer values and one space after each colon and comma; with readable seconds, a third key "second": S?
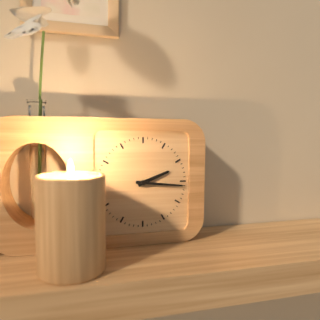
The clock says {"hour": 2, "minute": 16}
